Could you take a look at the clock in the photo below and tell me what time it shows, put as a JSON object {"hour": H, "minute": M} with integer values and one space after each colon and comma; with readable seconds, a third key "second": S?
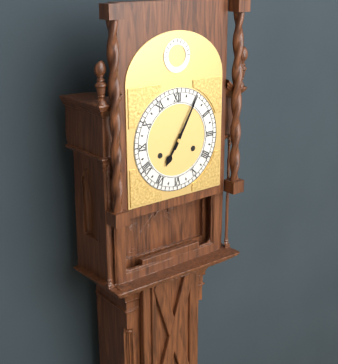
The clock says {"hour": 7, "minute": 5}
